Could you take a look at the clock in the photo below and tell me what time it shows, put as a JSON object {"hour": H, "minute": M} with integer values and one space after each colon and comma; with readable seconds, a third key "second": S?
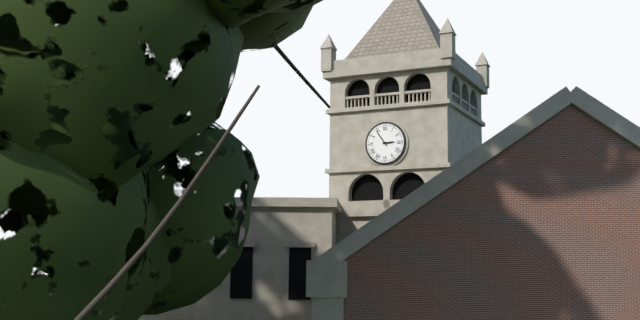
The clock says {"hour": 2, "minute": 54}
